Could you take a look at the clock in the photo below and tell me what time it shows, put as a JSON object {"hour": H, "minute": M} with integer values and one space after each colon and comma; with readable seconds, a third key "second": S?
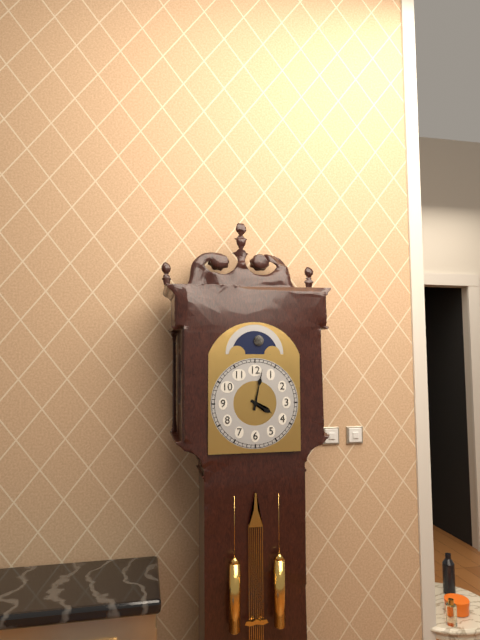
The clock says {"hour": 4, "minute": 2}
